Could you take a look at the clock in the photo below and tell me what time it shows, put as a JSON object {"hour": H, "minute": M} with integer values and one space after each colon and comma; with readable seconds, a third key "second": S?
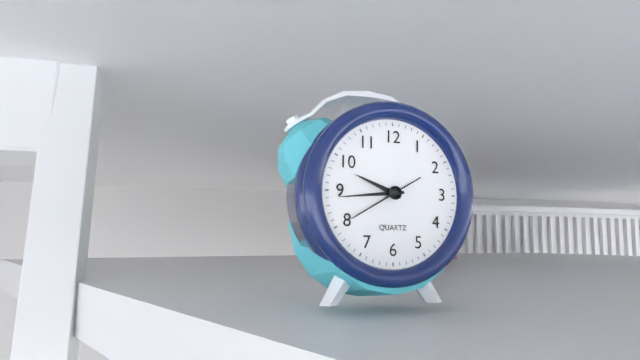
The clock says {"hour": 9, "minute": 44, "second": 40}
